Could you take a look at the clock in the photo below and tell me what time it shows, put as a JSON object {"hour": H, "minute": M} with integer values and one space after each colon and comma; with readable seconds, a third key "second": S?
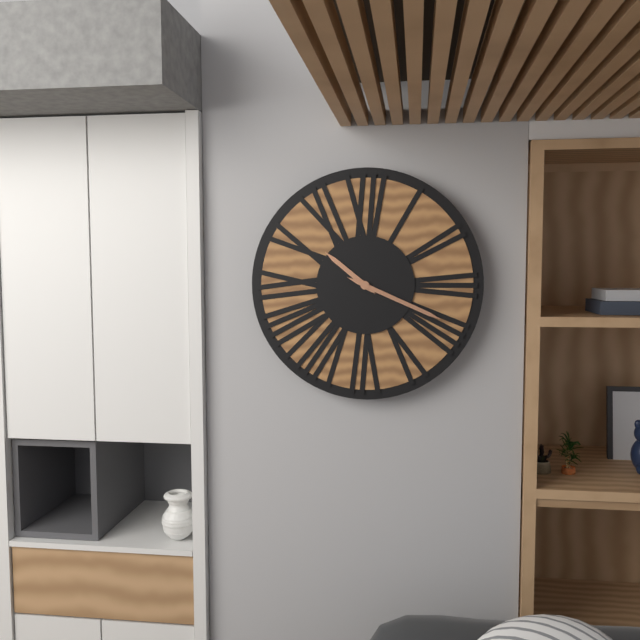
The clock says {"hour": 10, "minute": 19}
